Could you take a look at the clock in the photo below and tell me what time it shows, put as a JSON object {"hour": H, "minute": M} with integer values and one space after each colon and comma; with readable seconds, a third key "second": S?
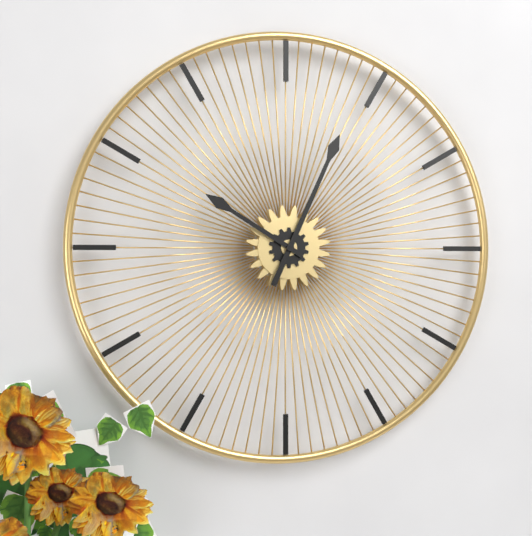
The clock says {"hour": 10, "minute": 4}
